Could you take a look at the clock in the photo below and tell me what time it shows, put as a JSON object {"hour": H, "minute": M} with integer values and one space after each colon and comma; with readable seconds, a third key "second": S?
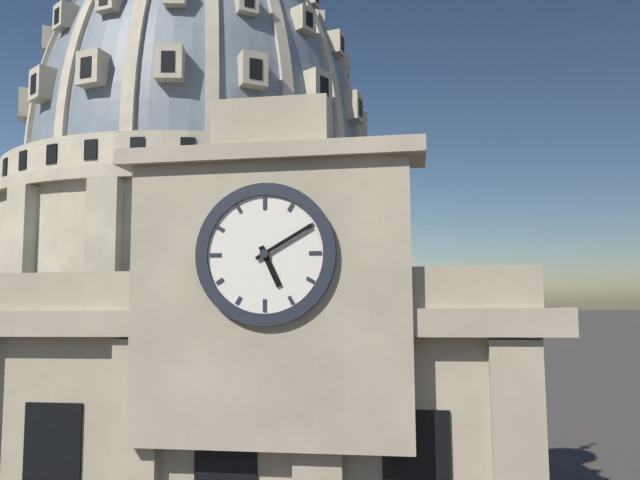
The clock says {"hour": 5, "minute": 10}
